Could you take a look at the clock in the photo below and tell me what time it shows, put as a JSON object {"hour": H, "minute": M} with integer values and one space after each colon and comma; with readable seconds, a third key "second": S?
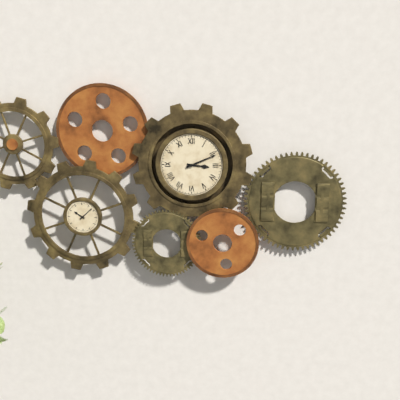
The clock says {"hour": 3, "minute": 11}
